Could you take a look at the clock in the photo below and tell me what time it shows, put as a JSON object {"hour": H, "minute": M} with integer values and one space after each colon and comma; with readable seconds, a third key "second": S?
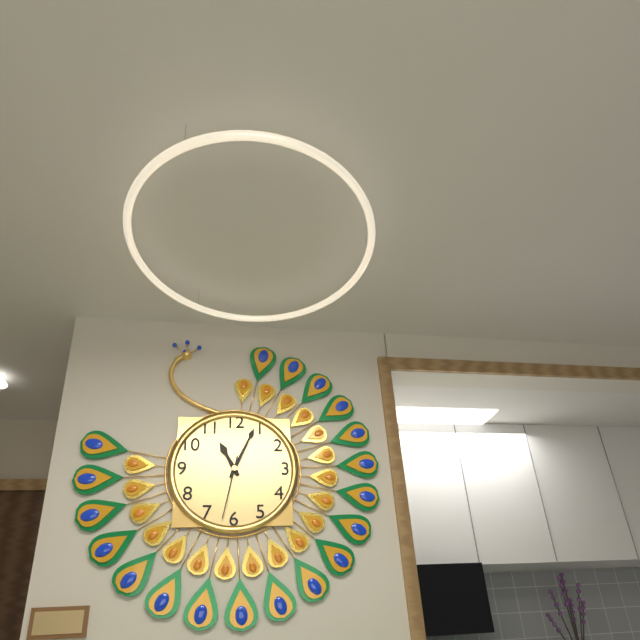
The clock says {"hour": 11, "minute": 4, "second": 32}
